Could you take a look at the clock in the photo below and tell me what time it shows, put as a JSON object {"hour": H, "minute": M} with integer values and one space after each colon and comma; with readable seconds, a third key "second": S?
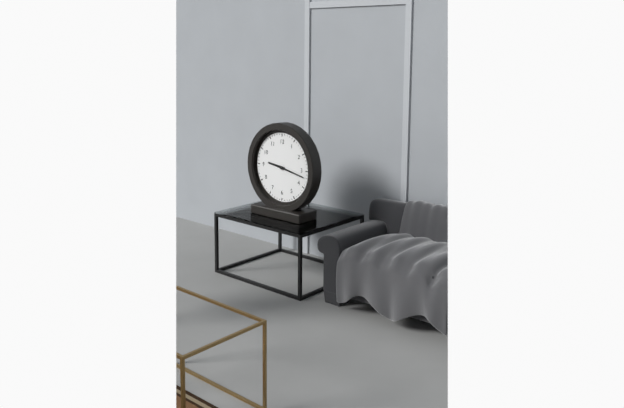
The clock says {"hour": 9, "minute": 17}
